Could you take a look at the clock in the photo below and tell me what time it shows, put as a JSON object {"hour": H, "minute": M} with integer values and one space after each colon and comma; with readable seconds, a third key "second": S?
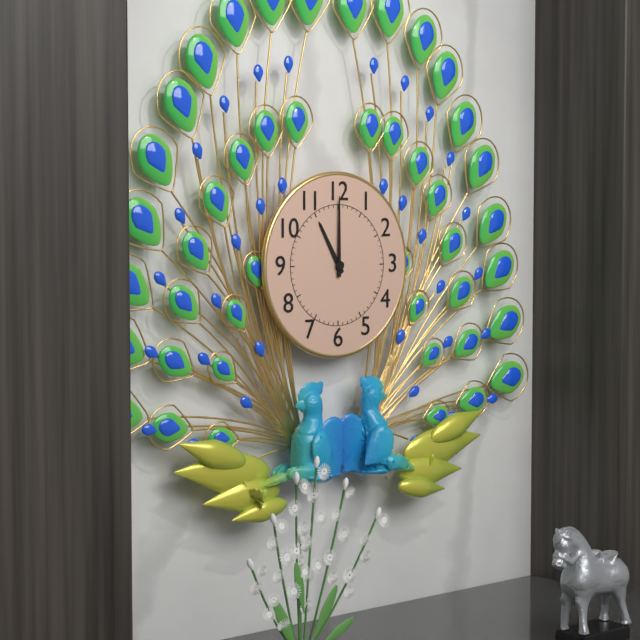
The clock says {"hour": 11, "minute": 0}
